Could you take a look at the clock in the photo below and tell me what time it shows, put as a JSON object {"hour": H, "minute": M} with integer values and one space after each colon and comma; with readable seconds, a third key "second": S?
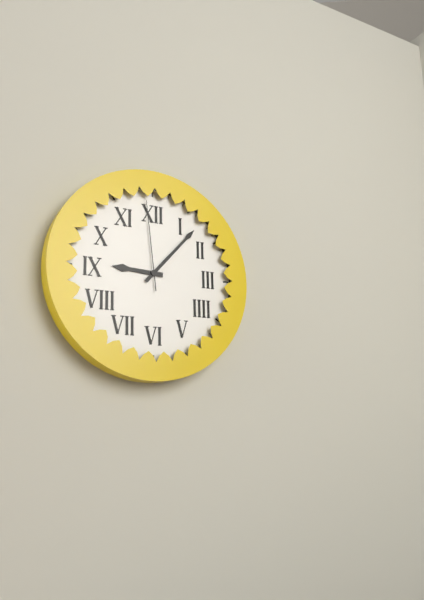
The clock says {"hour": 9, "minute": 7, "second": 59}
